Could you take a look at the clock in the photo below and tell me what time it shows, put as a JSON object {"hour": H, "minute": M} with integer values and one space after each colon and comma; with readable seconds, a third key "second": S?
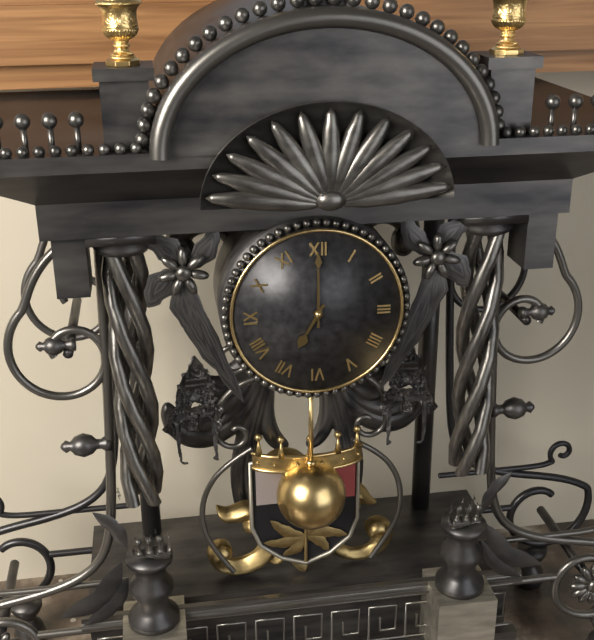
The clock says {"hour": 7, "minute": 0}
